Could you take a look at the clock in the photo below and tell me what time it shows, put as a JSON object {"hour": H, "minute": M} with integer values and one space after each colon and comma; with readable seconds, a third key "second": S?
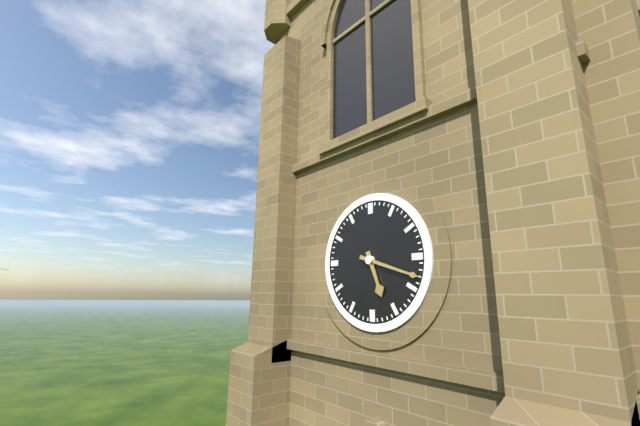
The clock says {"hour": 5, "minute": 18}
